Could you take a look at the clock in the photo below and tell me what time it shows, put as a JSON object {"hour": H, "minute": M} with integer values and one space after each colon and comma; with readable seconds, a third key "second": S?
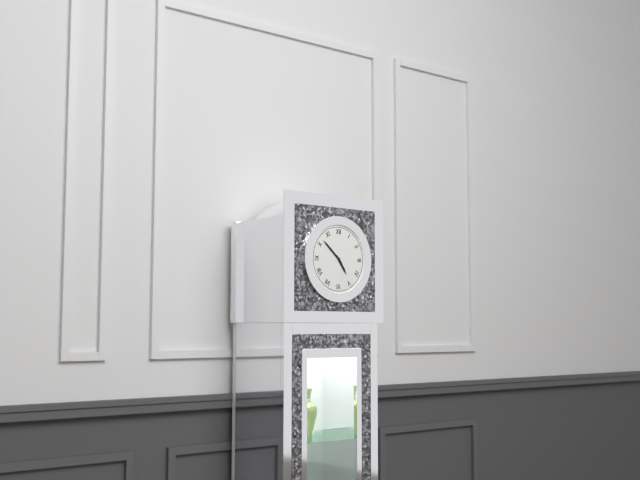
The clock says {"hour": 4, "minute": 52}
